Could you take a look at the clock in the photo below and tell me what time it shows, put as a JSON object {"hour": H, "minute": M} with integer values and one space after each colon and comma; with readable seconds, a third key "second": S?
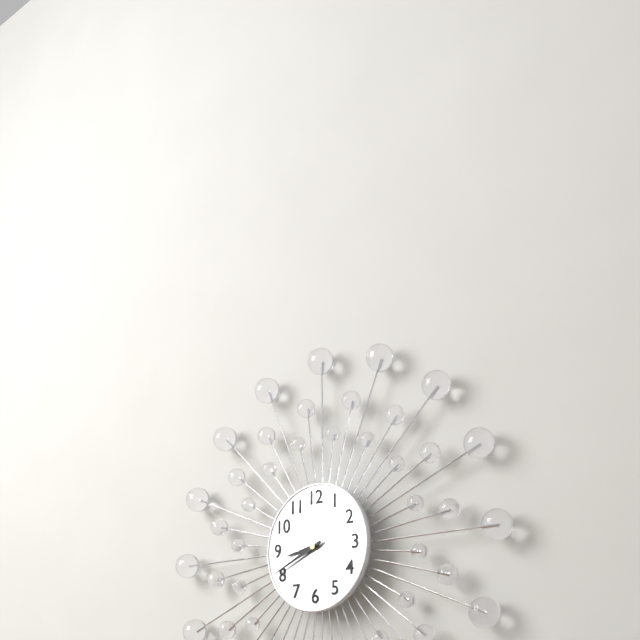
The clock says {"hour": 8, "minute": 41}
